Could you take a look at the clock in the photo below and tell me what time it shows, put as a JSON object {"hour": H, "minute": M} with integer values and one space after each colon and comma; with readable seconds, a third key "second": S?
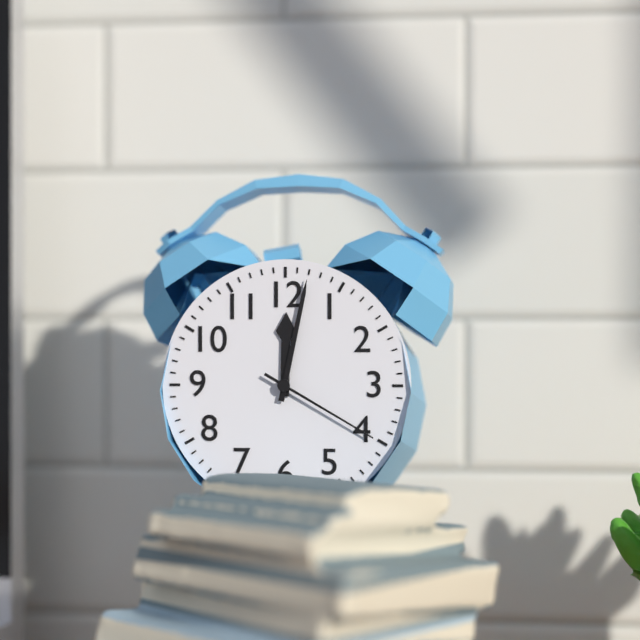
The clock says {"hour": 12, "minute": 2, "second": 20}
